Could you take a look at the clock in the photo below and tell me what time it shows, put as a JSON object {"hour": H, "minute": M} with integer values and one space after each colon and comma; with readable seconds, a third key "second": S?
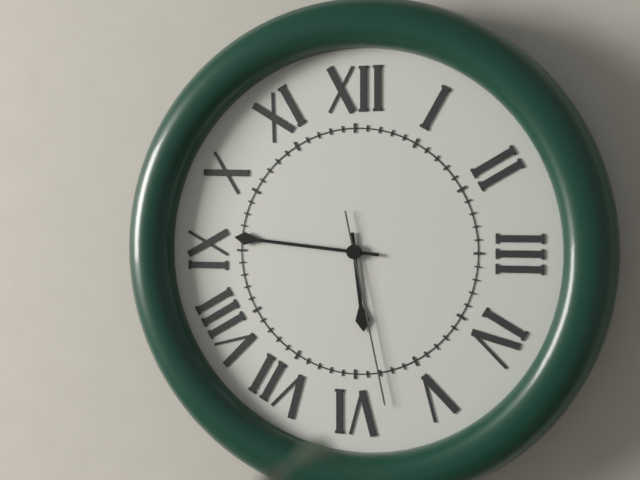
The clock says {"hour": 5, "minute": 46, "second": 28}
